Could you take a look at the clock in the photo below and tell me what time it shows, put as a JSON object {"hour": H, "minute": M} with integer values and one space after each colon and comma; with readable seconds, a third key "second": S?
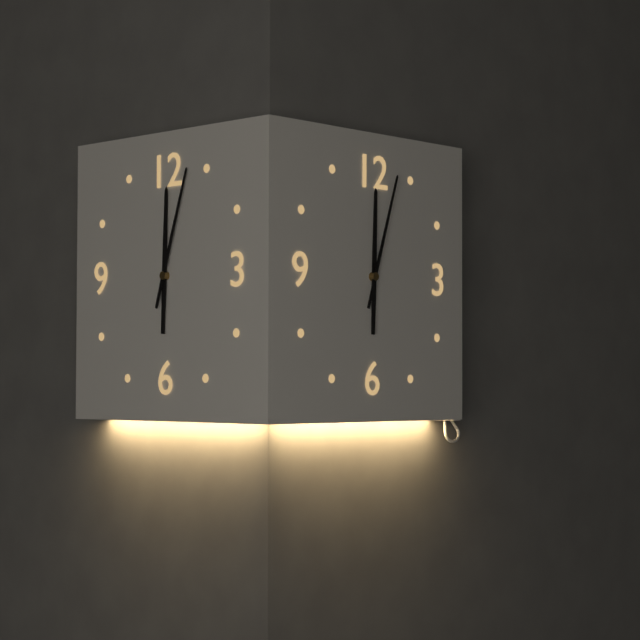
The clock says {"hour": 12, "minute": 3}
